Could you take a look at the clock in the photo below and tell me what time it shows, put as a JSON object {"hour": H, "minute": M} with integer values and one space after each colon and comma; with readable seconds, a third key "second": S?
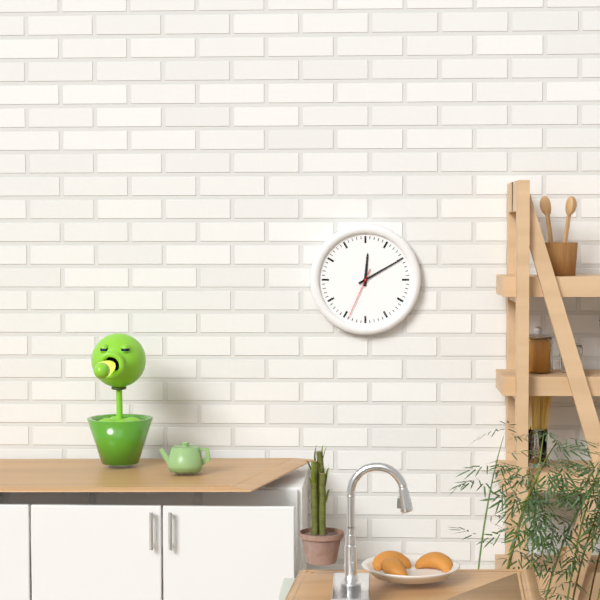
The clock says {"hour": 12, "minute": 10, "second": 34}
